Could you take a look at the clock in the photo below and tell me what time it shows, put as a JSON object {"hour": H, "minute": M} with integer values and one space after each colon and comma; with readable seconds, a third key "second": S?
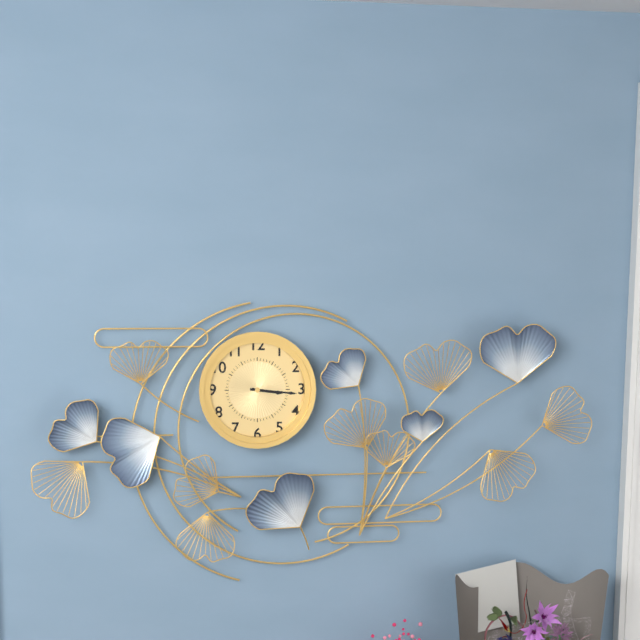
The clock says {"hour": 3, "minute": 16}
